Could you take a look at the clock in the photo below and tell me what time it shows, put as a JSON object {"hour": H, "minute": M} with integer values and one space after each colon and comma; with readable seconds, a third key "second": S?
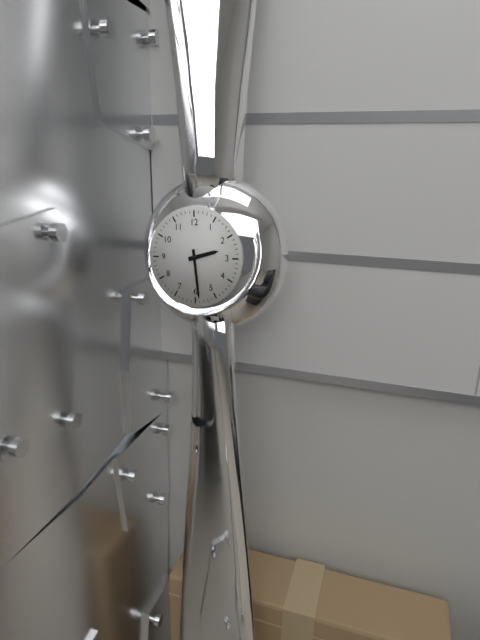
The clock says {"hour": 2, "minute": 29}
